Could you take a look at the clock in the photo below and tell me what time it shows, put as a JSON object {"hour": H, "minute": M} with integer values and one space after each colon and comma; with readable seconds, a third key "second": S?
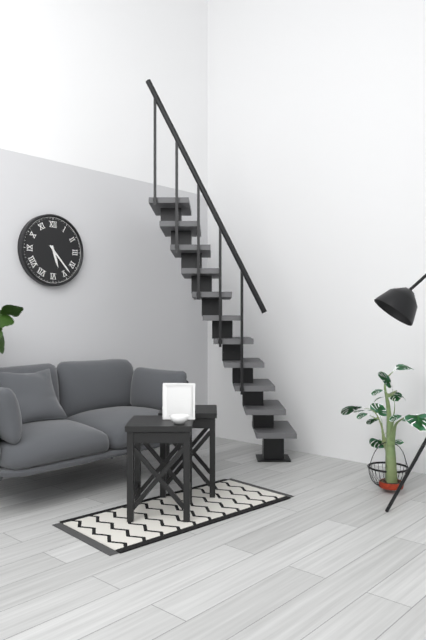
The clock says {"hour": 5, "minute": 23}
